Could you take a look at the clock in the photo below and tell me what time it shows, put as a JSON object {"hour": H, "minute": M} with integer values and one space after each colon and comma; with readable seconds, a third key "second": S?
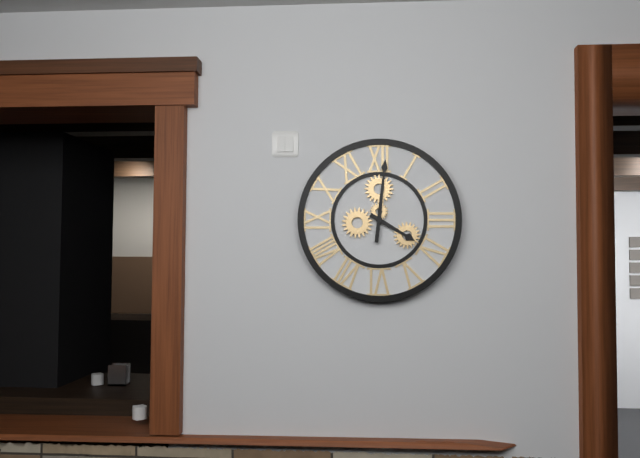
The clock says {"hour": 4, "minute": 1}
